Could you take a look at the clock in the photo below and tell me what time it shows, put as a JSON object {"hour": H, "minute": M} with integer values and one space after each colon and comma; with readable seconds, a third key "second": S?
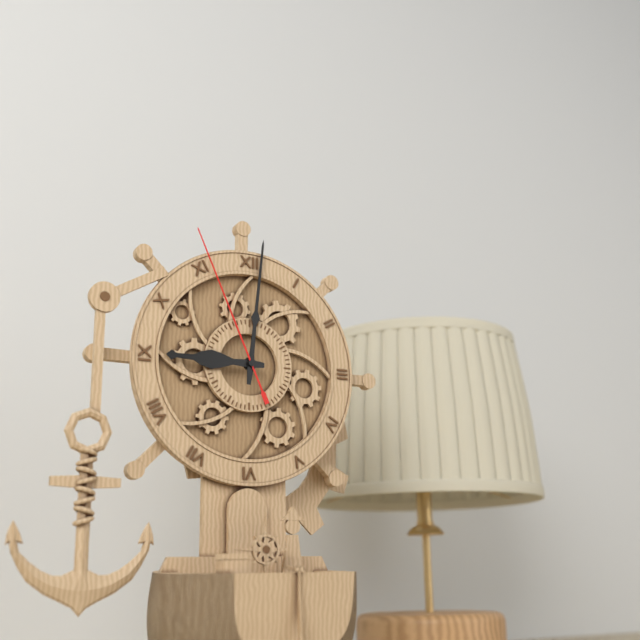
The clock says {"hour": 9, "minute": 1, "second": 56}
